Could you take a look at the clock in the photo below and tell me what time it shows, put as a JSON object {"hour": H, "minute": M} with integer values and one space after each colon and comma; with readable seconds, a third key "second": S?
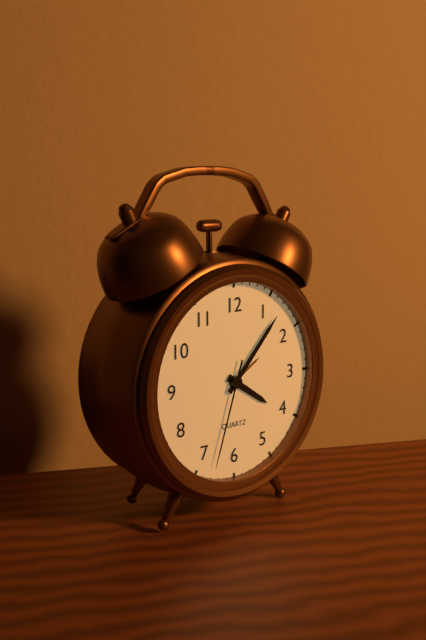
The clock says {"hour": 4, "minute": 7, "second": 33}
